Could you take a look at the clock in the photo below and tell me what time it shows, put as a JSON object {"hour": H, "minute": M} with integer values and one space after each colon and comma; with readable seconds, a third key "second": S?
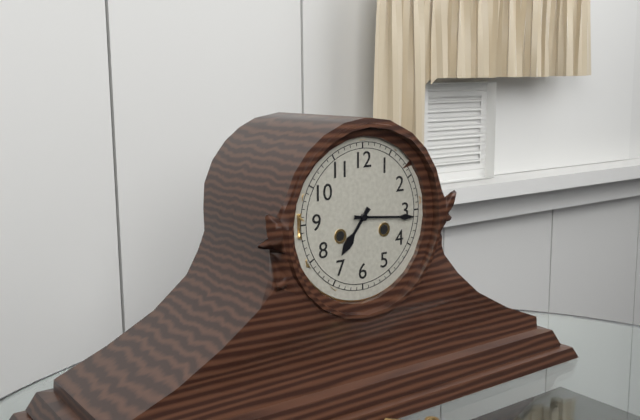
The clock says {"hour": 7, "minute": 16}
